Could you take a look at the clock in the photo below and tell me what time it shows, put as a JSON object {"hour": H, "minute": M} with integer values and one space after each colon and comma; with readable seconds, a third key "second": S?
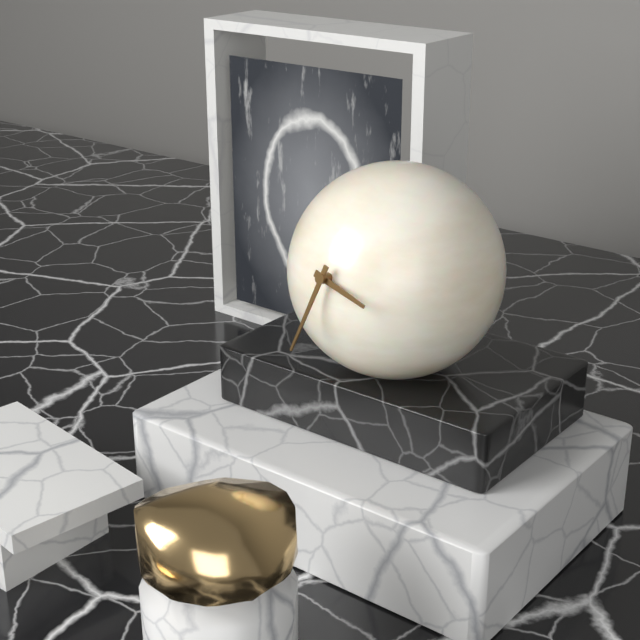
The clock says {"hour": 3, "minute": 33}
